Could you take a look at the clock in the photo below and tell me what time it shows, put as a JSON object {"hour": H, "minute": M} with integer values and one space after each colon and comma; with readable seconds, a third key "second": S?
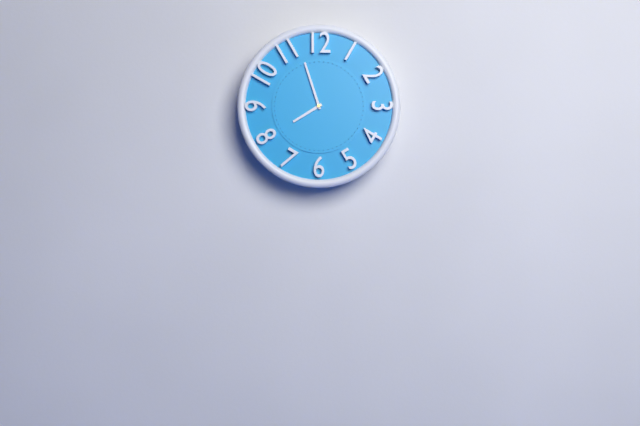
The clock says {"hour": 7, "minute": 57}
